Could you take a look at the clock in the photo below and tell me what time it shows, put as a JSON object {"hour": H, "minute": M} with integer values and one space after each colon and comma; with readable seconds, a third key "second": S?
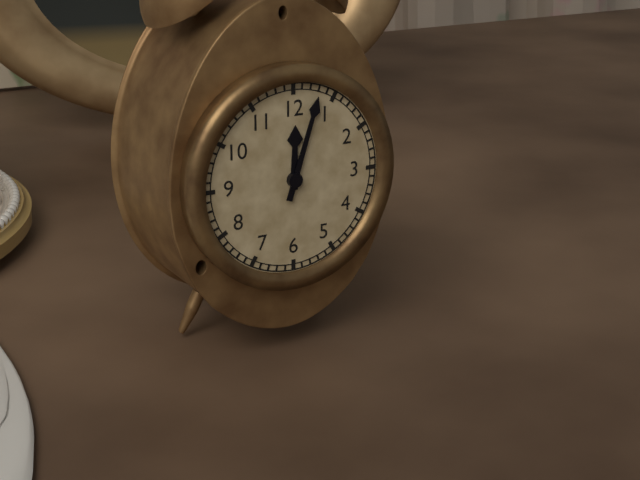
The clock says {"hour": 12, "minute": 3}
